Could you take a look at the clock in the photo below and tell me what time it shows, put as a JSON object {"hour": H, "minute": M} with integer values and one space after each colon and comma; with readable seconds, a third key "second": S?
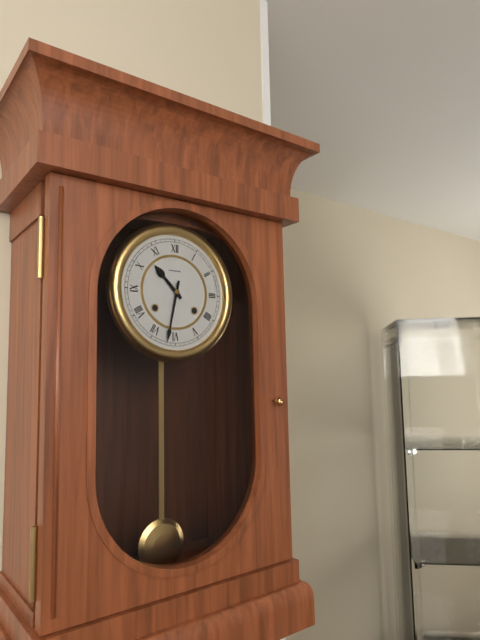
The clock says {"hour": 10, "minute": 32}
